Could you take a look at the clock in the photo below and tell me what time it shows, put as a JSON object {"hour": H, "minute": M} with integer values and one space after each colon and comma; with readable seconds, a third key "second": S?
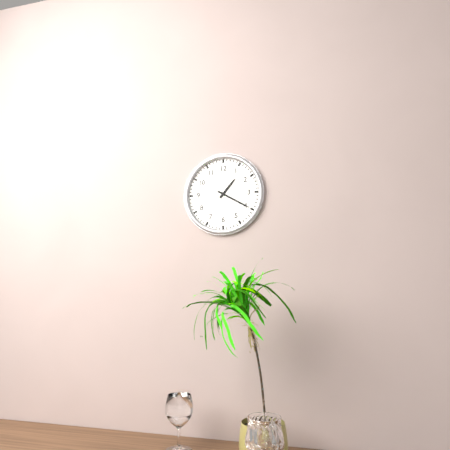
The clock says {"hour": 1, "minute": 20}
